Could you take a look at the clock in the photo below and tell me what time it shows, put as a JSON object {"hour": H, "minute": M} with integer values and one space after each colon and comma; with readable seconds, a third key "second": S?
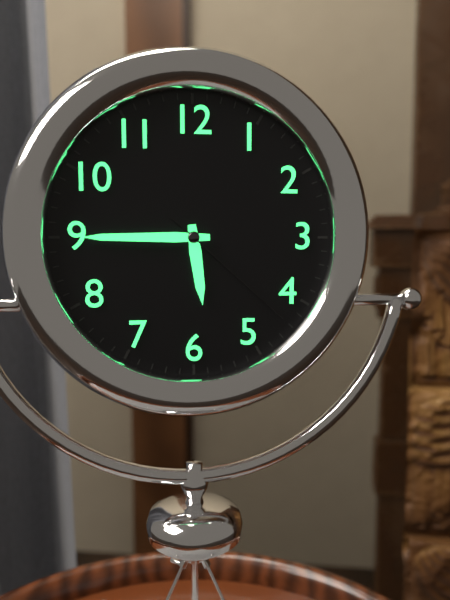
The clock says {"hour": 5, "minute": 45, "second": 22}
